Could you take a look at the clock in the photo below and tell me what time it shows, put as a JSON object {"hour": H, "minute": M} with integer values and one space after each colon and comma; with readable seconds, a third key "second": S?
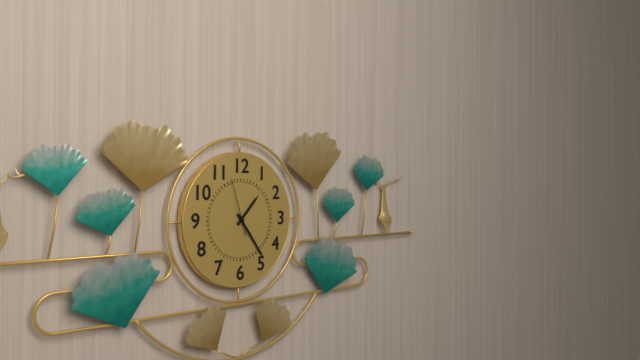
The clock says {"hour": 1, "minute": 24, "second": 57}
